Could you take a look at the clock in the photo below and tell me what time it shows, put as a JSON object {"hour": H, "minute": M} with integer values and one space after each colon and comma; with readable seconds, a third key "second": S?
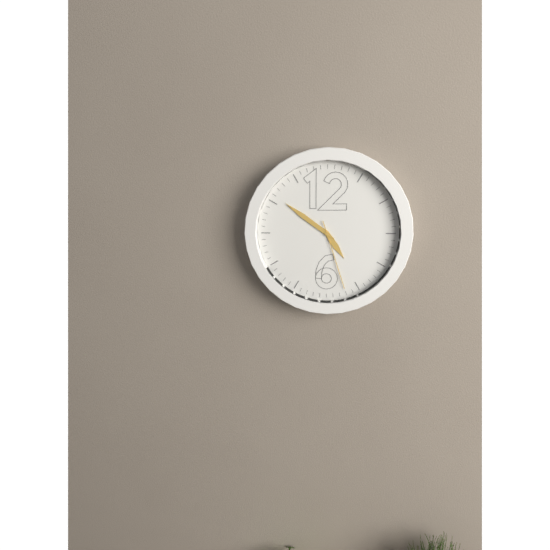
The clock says {"hour": 4, "minute": 51, "second": 27}
